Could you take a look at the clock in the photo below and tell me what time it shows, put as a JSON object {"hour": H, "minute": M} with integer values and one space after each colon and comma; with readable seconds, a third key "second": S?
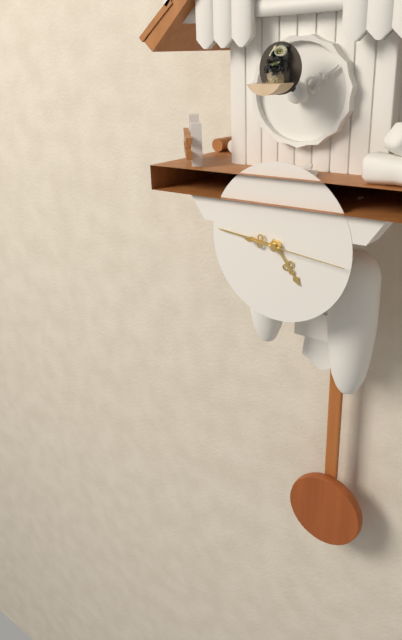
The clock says {"hour": 4, "minute": 46, "second": 16}
